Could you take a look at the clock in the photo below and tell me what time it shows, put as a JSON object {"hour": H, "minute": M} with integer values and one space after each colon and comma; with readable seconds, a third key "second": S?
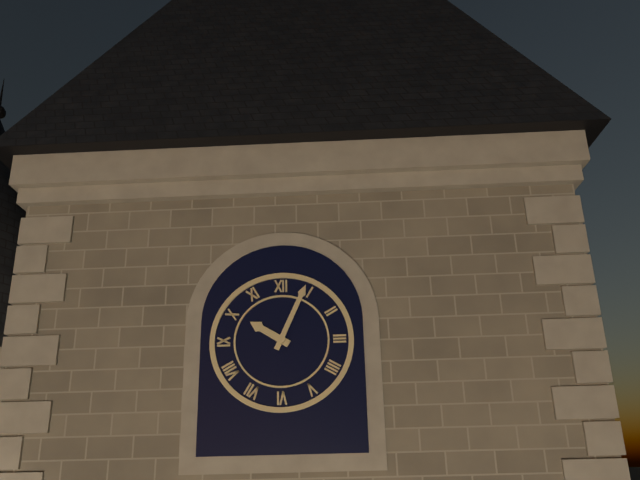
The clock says {"hour": 10, "minute": 4}
